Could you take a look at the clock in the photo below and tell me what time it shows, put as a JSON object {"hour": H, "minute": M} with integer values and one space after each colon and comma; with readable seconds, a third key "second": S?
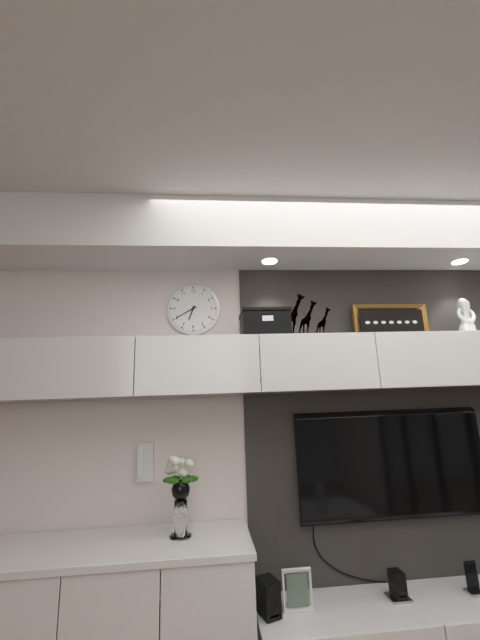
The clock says {"hour": 6, "minute": 40}
